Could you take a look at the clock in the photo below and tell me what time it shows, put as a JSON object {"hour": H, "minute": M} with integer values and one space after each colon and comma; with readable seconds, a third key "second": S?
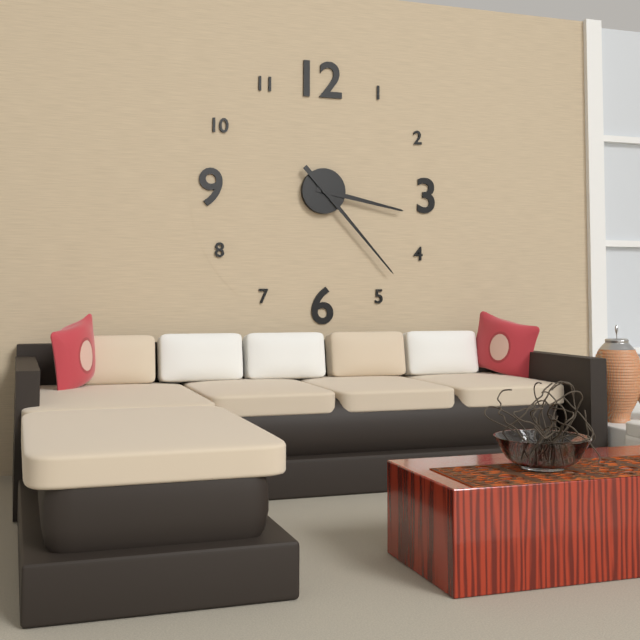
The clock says {"hour": 3, "minute": 23}
